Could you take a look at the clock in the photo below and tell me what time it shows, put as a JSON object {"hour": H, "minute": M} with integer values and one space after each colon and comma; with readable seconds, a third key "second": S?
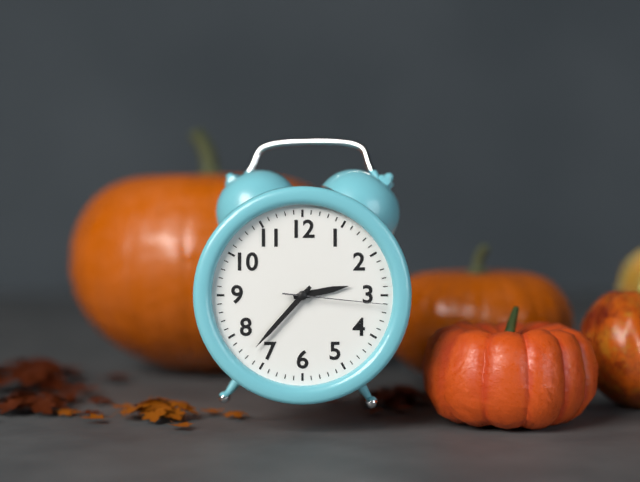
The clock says {"hour": 2, "minute": 37, "second": 16}
